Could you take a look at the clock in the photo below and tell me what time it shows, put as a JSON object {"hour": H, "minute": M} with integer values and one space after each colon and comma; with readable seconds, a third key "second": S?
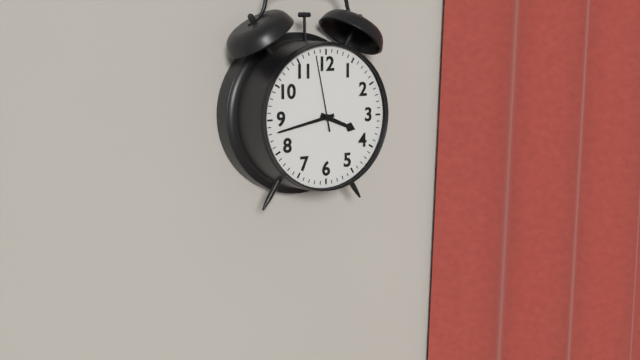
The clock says {"hour": 3, "minute": 43, "second": 58}
